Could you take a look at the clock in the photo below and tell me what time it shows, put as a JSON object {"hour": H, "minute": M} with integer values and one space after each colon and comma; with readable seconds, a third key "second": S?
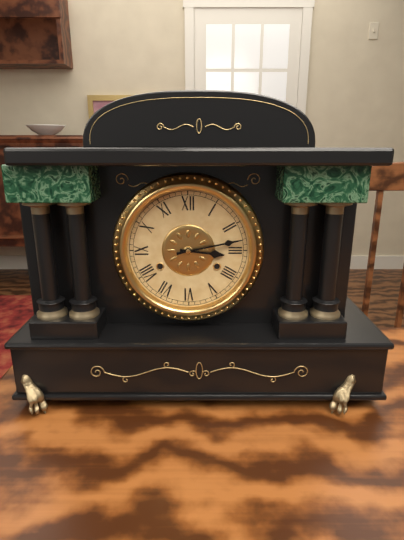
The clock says {"hour": 3, "minute": 13}
